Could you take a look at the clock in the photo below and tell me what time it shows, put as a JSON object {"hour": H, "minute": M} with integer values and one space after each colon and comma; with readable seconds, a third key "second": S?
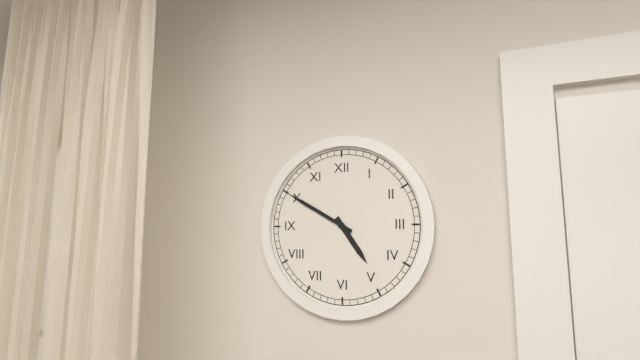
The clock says {"hour": 4, "minute": 50}
